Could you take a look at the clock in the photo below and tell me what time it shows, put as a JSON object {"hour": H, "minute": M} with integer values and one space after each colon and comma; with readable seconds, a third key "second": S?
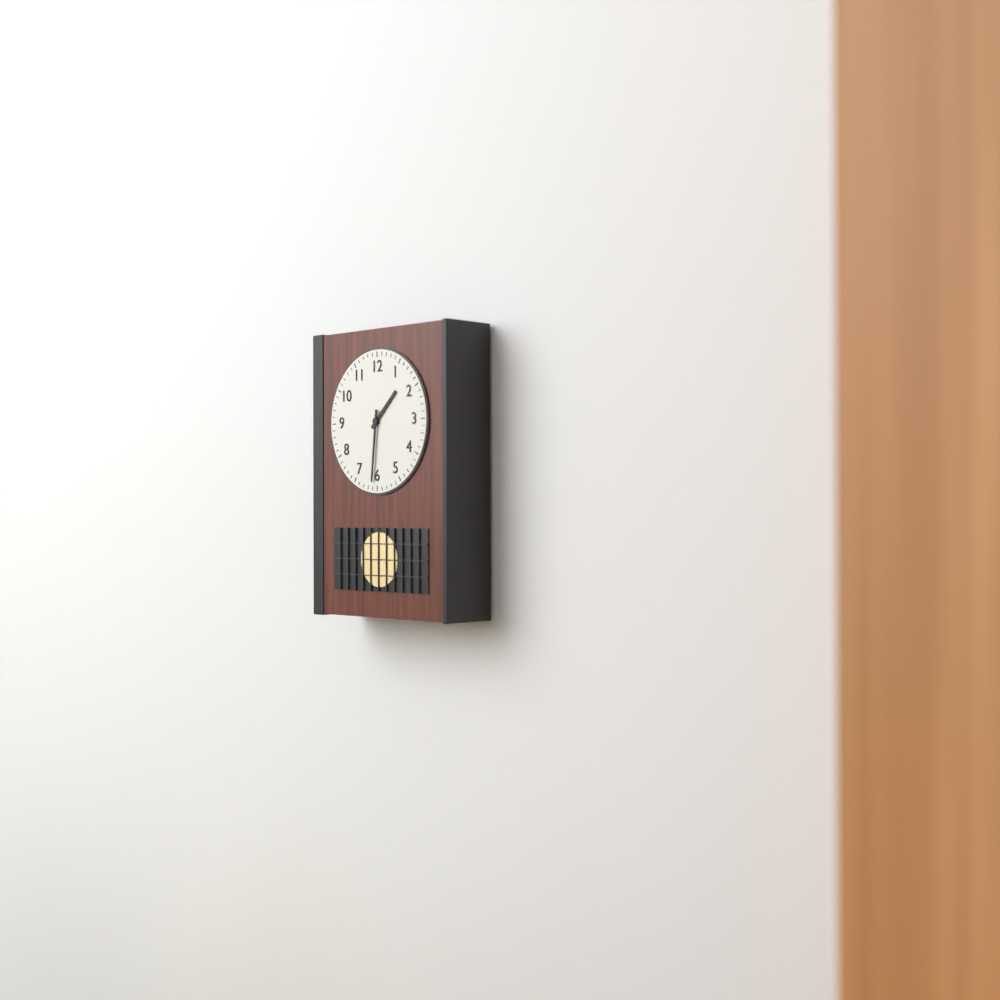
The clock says {"hour": 1, "minute": 31}
